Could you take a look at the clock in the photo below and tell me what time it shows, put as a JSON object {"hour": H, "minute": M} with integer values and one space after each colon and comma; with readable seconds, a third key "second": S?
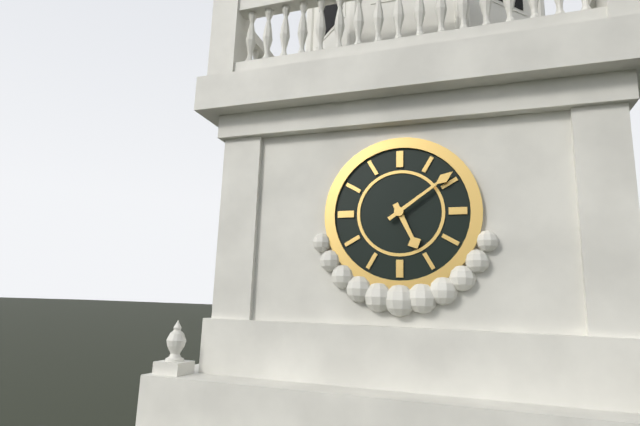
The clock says {"hour": 5, "minute": 9}
